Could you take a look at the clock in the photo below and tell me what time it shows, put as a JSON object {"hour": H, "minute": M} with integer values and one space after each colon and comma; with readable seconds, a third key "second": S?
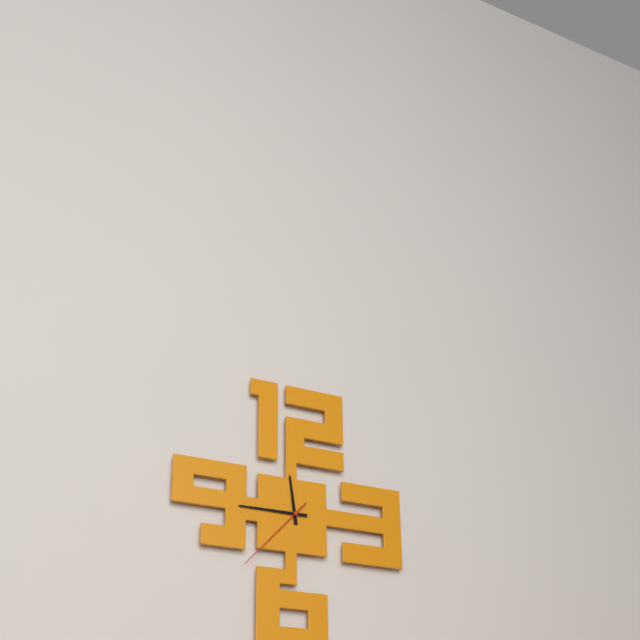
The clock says {"hour": 11, "minute": 45, "second": 37}
